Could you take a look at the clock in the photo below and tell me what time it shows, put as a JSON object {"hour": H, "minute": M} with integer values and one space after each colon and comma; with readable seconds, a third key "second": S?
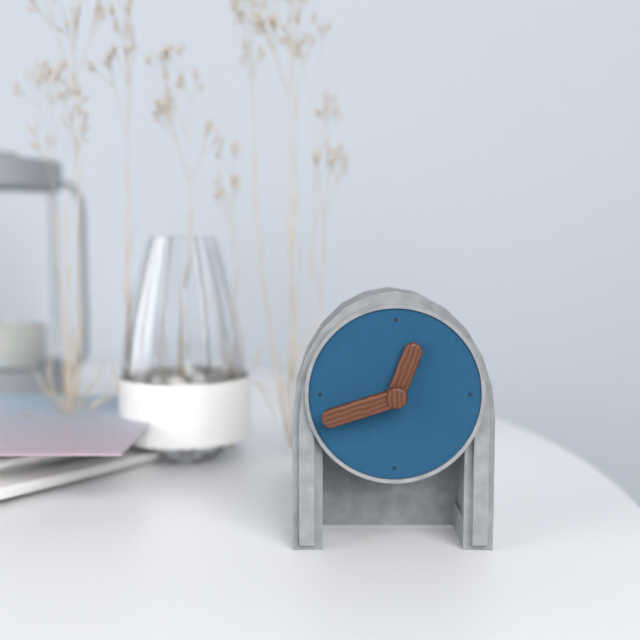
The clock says {"hour": 12, "minute": 42}
